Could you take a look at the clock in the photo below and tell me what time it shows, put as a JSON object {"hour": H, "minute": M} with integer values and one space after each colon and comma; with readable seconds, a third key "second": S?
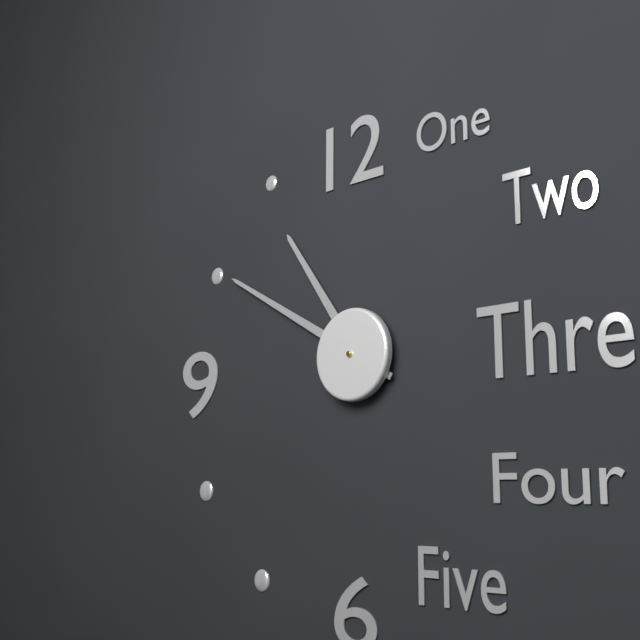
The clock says {"hour": 10, "minute": 50}
